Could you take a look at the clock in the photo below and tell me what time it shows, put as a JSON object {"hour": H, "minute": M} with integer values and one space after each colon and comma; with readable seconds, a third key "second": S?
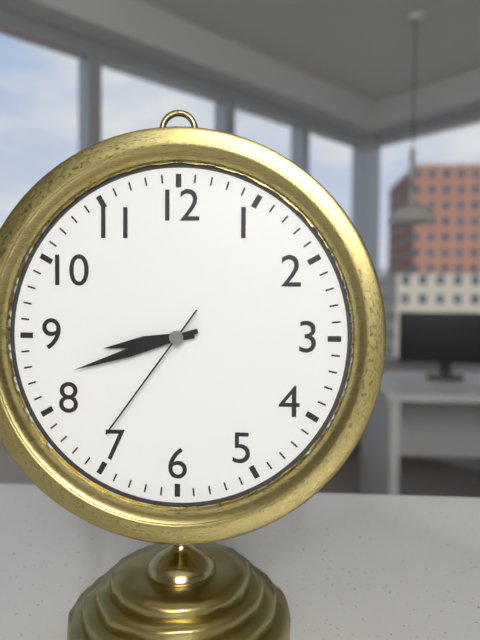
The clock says {"hour": 8, "minute": 42, "second": 36}
